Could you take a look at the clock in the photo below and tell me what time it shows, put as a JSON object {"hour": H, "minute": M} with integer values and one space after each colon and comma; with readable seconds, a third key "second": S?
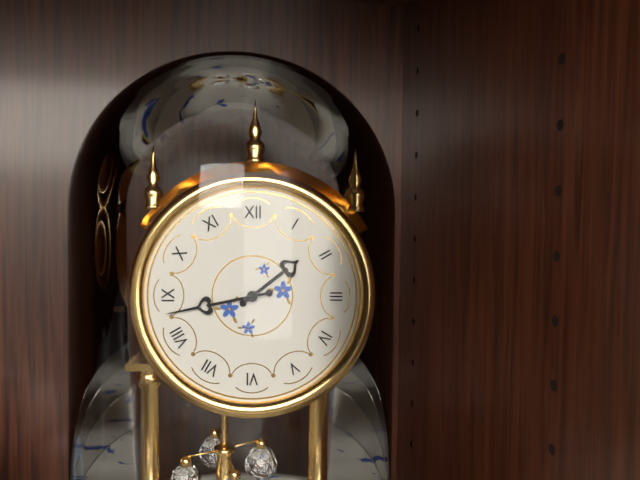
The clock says {"hour": 1, "minute": 43}
